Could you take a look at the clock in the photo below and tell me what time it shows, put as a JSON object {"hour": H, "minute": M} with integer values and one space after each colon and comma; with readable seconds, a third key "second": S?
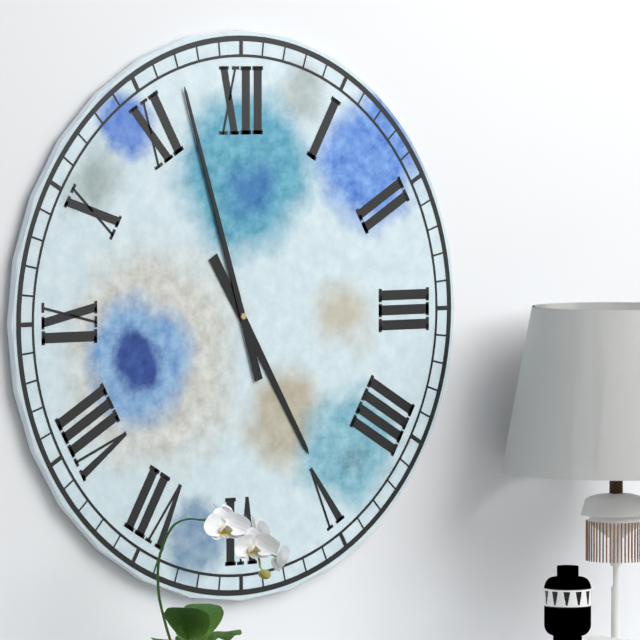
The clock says {"hour": 4, "minute": 57}
